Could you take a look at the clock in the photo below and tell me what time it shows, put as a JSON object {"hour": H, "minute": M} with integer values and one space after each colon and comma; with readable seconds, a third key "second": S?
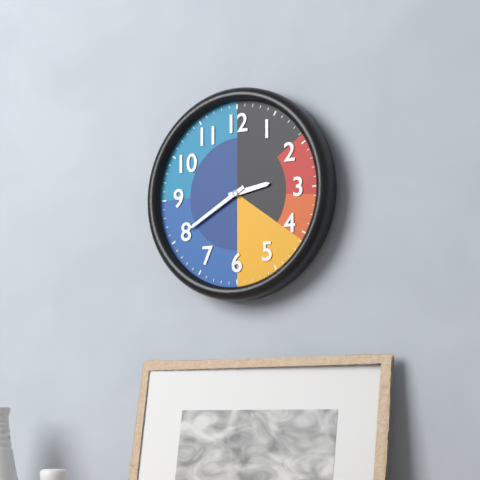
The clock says {"hour": 2, "minute": 40}
